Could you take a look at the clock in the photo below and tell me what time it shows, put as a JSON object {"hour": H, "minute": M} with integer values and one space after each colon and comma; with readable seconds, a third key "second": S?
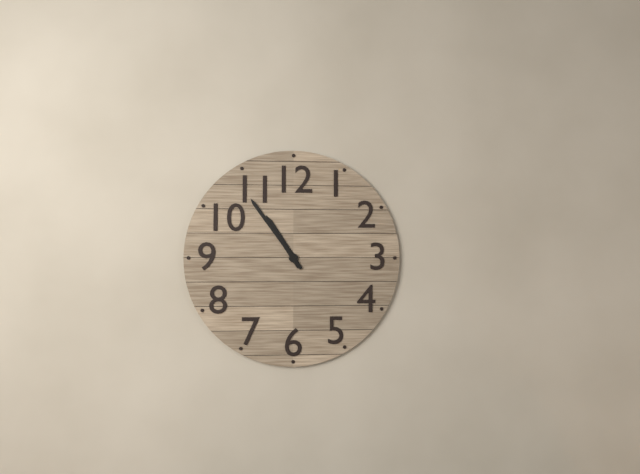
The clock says {"hour": 10, "minute": 54}
